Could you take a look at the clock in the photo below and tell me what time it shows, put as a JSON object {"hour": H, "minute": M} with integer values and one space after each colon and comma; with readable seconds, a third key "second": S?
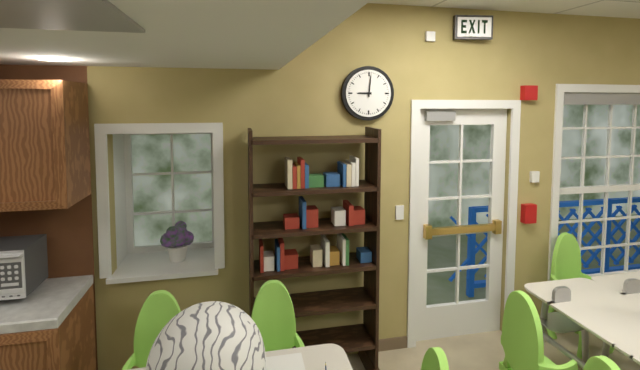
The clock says {"hour": 9, "minute": 1}
